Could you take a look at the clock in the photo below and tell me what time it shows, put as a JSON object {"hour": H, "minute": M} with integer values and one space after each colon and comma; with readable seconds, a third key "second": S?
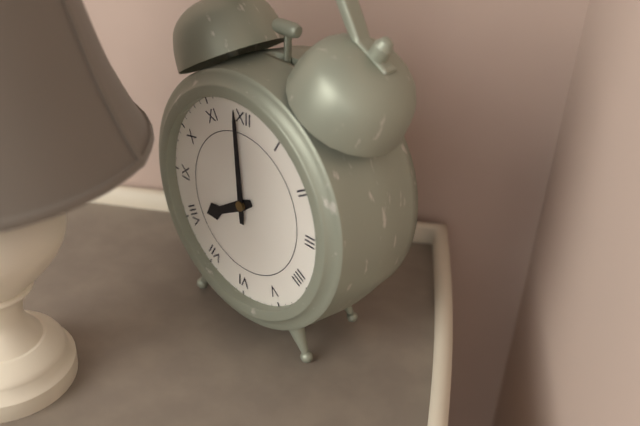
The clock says {"hour": 7, "minute": 59}
